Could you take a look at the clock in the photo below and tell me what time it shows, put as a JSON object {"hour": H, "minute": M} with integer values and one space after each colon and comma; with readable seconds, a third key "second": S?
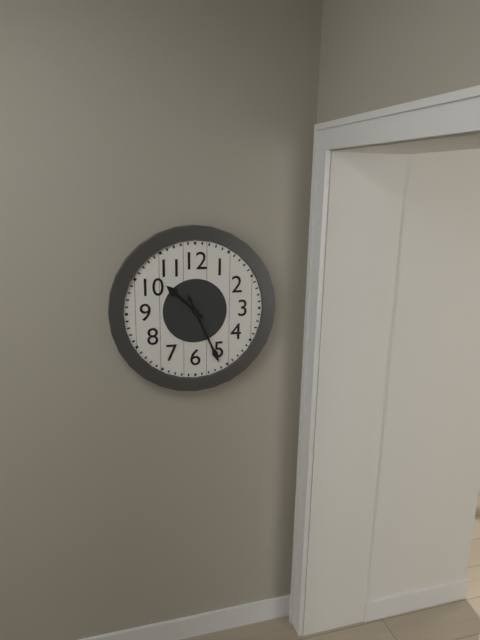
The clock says {"hour": 10, "minute": 26}
